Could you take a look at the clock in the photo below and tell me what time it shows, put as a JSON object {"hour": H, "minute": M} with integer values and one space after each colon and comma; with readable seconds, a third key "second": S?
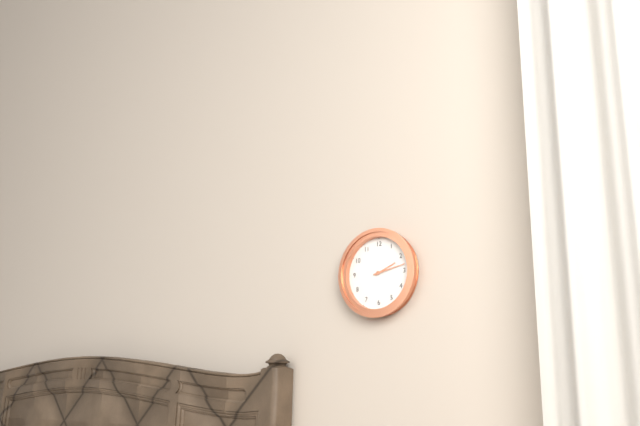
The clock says {"hour": 2, "minute": 13}
